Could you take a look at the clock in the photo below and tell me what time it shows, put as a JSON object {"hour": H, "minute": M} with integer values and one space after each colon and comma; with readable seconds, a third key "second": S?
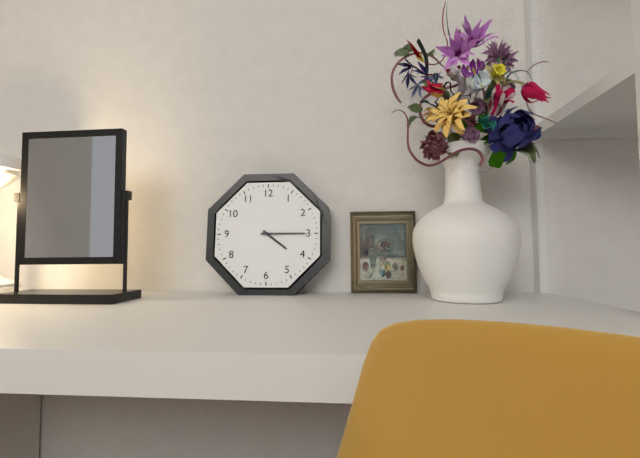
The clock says {"hour": 4, "minute": 15}
